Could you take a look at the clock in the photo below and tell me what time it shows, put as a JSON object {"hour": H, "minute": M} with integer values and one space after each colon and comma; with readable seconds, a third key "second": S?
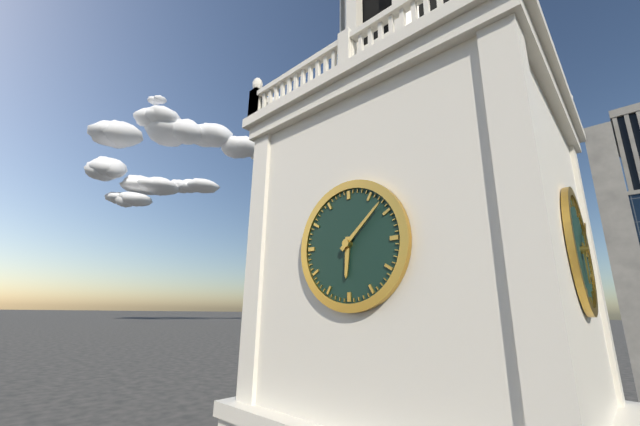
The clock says {"hour": 6, "minute": 8}
